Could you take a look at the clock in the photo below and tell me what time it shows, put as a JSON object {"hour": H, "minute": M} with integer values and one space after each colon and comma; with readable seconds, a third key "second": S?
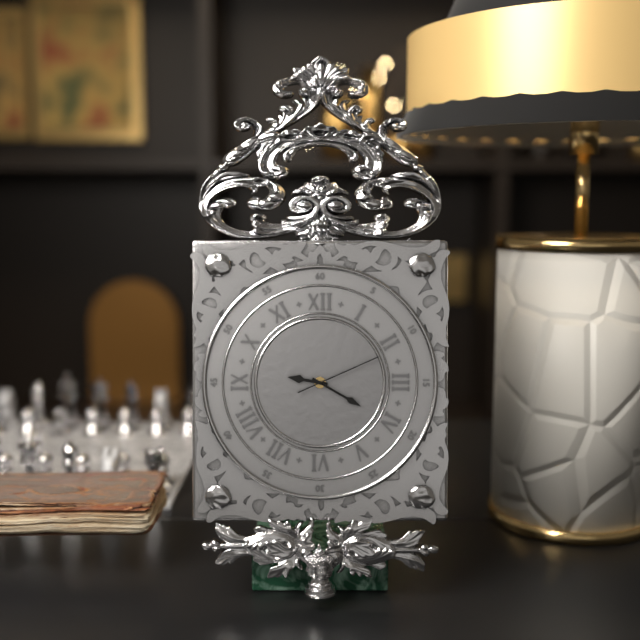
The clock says {"hour": 9, "minute": 20, "second": 11}
